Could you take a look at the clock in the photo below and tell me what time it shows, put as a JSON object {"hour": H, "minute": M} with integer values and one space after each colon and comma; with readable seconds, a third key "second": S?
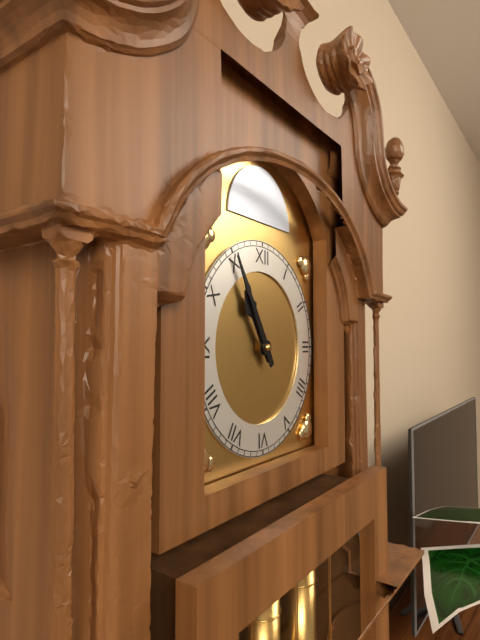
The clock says {"hour": 10, "minute": 55}
